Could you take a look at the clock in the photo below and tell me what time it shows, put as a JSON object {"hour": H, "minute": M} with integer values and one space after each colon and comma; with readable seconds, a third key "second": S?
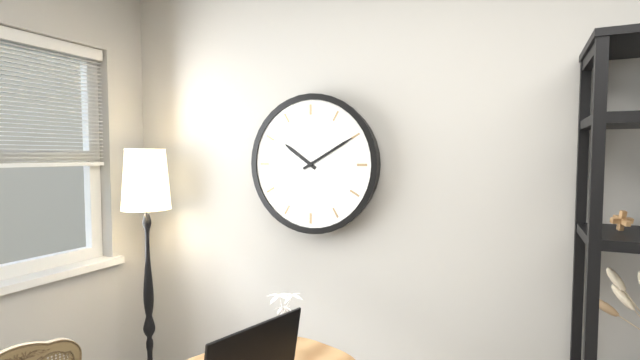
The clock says {"hour": 10, "minute": 10}
